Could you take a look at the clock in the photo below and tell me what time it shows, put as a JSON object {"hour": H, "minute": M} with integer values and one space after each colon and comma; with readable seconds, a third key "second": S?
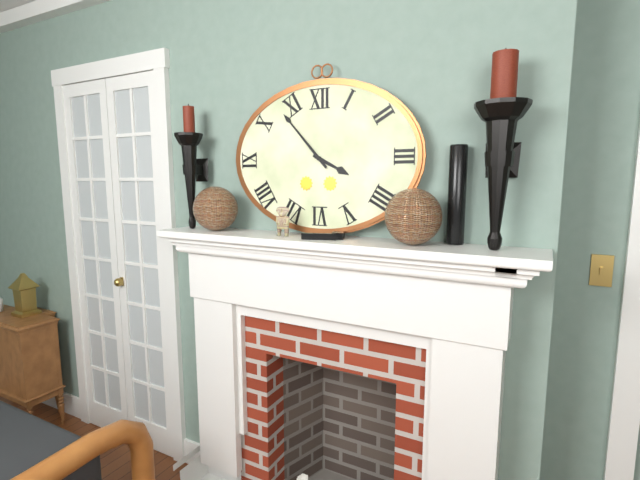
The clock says {"hour": 3, "minute": 53}
